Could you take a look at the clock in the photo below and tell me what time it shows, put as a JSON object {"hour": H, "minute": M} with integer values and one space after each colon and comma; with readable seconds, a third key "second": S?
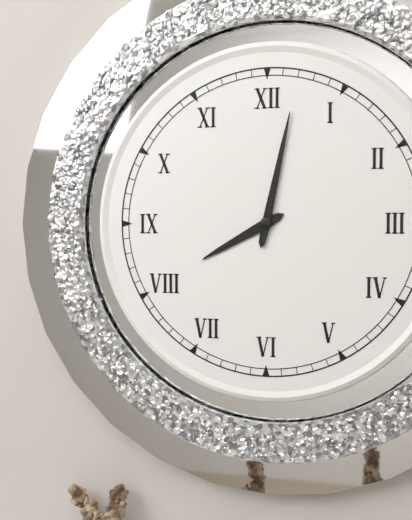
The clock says {"hour": 8, "minute": 2}
